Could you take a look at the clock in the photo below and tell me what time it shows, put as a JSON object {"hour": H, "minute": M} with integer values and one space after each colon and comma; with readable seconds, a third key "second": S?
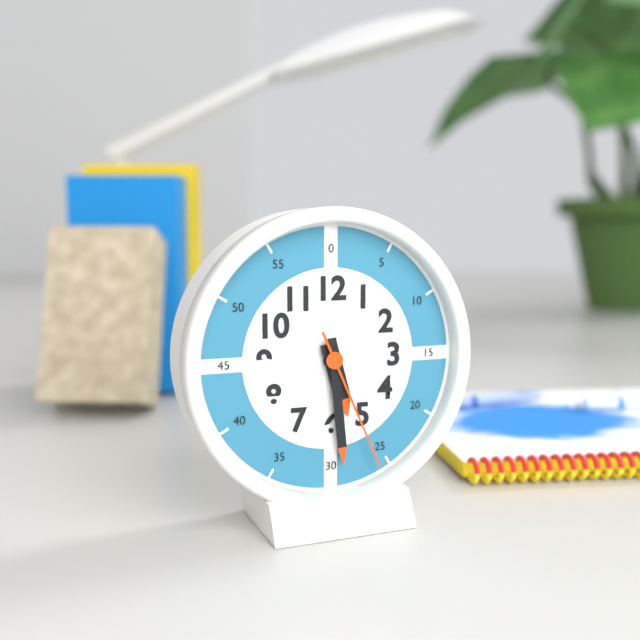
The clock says {"hour": 5, "minute": 29, "second": 26}
